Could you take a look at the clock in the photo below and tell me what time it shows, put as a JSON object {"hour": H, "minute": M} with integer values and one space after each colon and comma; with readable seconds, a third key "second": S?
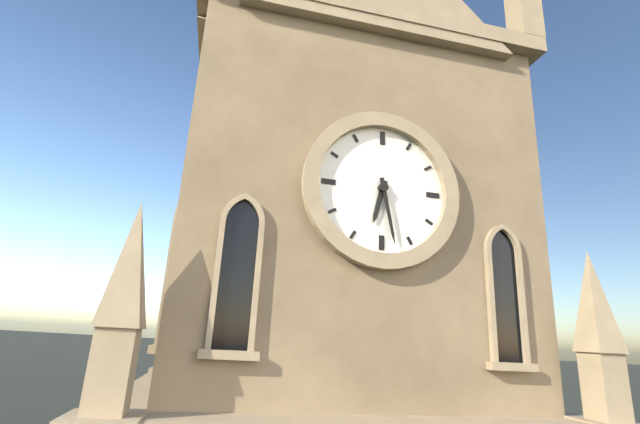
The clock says {"hour": 6, "minute": 28}
